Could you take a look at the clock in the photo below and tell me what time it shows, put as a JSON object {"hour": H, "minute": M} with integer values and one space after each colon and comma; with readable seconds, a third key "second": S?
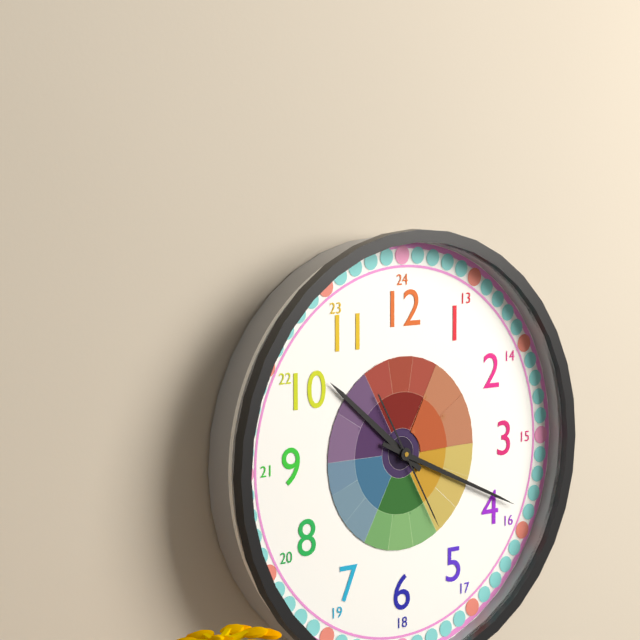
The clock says {"hour": 10, "minute": 19, "second": 25}
